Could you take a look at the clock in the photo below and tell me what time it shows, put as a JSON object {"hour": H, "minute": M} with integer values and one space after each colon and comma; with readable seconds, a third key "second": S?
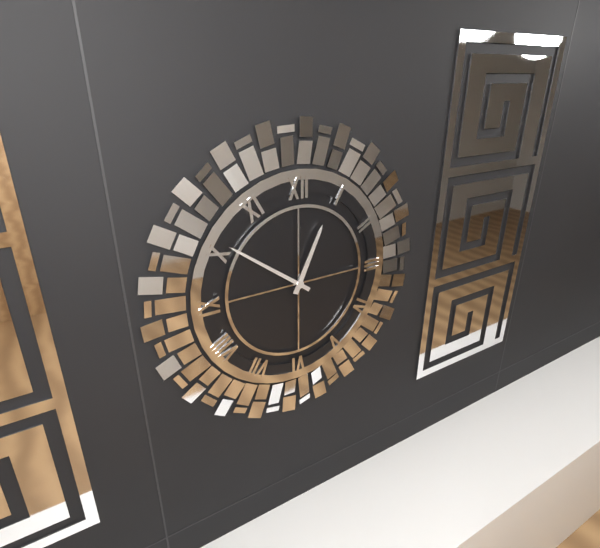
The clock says {"hour": 12, "minute": 51}
